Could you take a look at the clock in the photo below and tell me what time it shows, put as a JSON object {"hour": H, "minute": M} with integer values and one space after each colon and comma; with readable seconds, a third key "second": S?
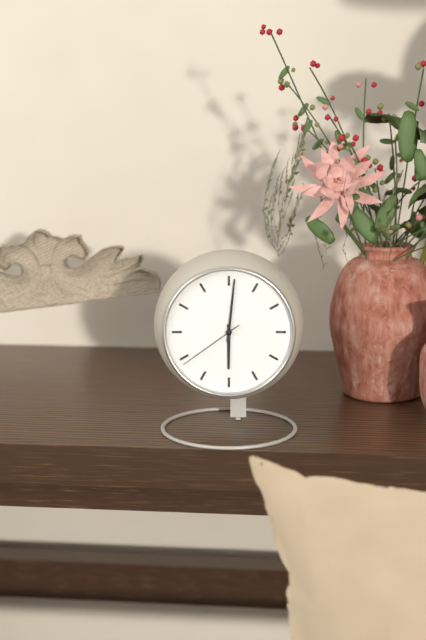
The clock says {"hour": 6, "minute": 1, "second": 39}
